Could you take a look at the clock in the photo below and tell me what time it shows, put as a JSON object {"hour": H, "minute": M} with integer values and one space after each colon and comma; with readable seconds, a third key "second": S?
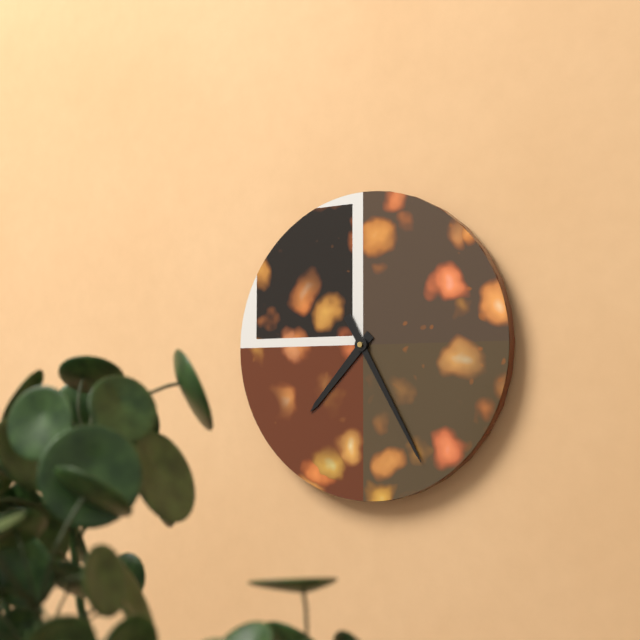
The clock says {"hour": 7, "minute": 25}
